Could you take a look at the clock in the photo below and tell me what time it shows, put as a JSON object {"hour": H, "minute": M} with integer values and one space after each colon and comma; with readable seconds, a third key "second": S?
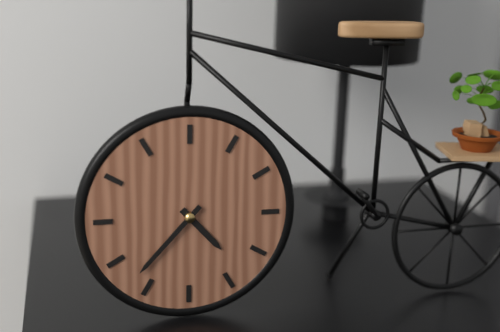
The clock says {"hour": 4, "minute": 37}
